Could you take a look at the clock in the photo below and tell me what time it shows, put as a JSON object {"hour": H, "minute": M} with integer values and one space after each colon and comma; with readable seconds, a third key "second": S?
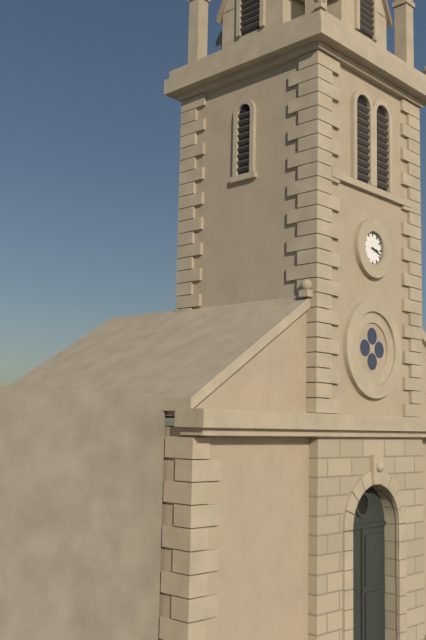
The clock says {"hour": 3, "minute": 18}
